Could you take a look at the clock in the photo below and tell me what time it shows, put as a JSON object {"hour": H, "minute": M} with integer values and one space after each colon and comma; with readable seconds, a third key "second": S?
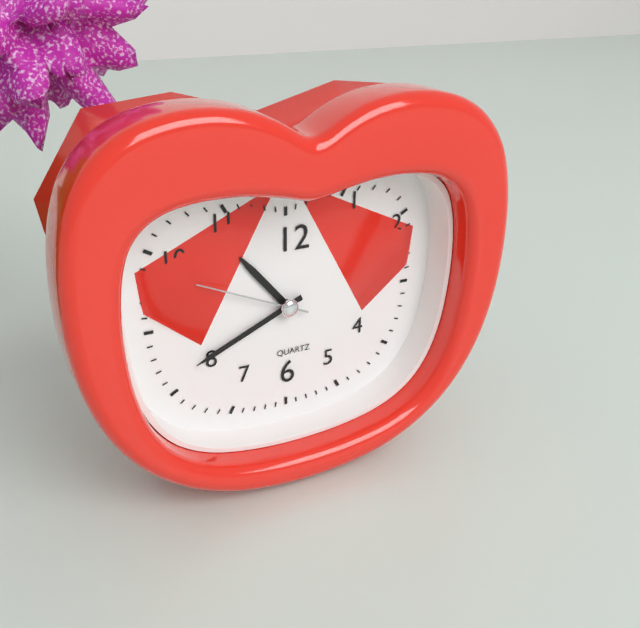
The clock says {"hour": 10, "minute": 41, "second": 49}
